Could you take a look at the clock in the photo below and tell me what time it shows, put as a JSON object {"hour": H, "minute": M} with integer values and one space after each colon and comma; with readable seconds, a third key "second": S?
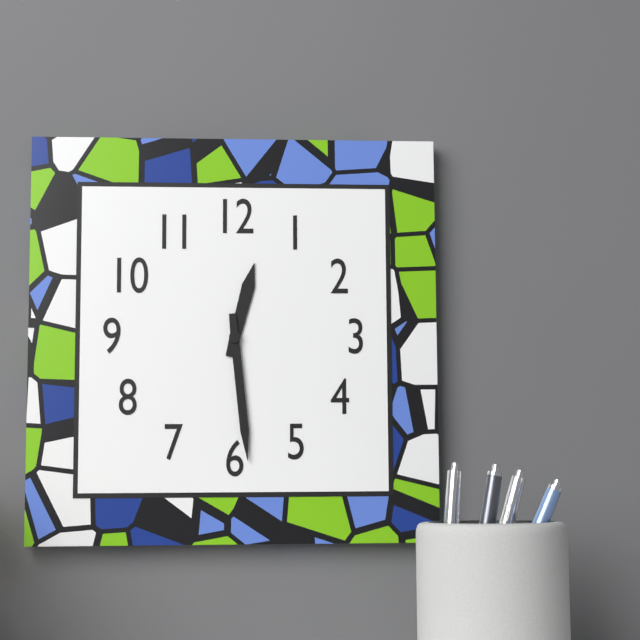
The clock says {"hour": 12, "minute": 29}
